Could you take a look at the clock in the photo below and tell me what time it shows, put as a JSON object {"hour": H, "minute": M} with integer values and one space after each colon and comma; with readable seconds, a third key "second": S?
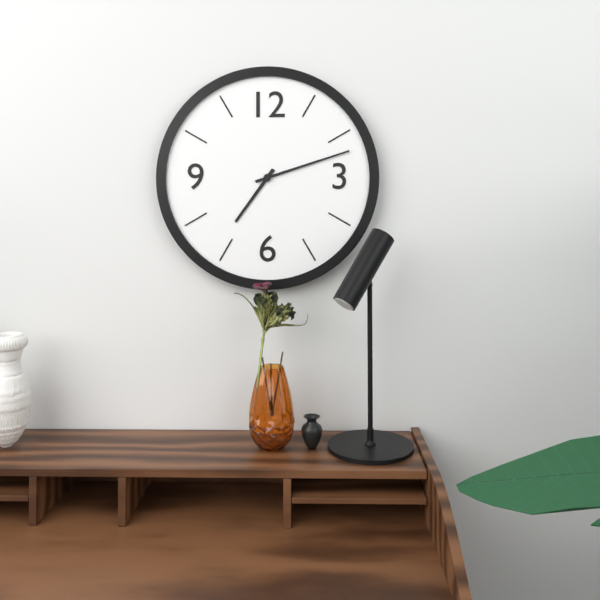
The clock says {"hour": 7, "minute": 12}
